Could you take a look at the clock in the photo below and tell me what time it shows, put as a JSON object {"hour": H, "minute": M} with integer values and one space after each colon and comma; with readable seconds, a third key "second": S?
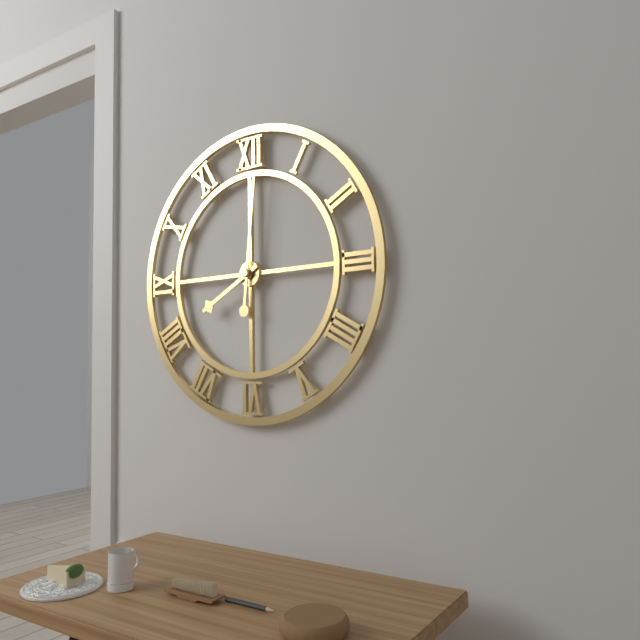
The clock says {"hour": 8, "minute": 1}
